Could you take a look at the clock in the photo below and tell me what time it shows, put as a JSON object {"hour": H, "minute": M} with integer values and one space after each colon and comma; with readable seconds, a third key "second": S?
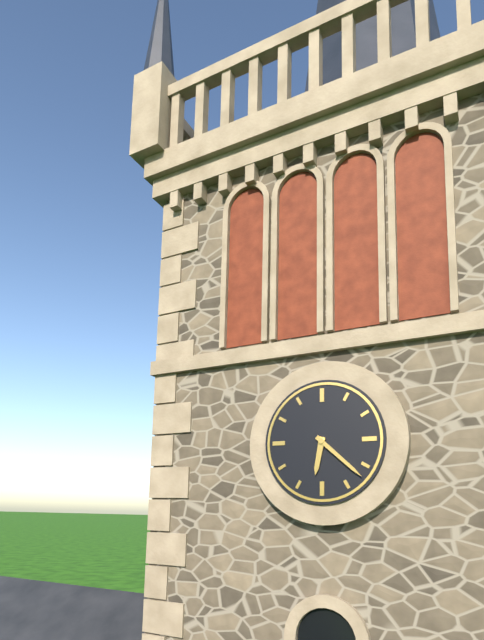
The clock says {"hour": 6, "minute": 22}
